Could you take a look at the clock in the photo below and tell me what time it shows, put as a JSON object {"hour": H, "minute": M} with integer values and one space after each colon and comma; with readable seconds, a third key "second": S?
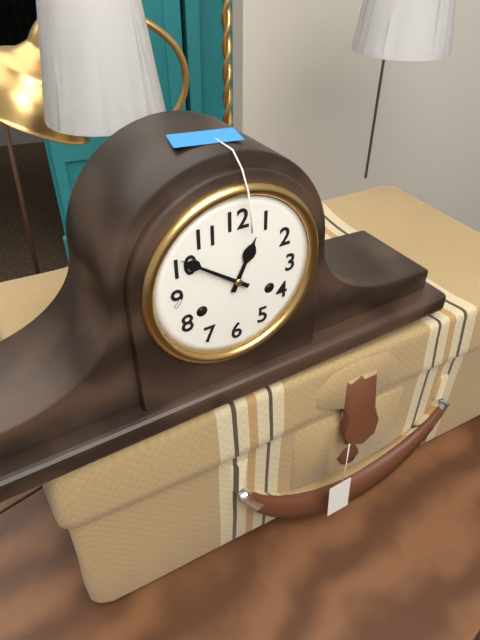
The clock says {"hour": 12, "minute": 51}
